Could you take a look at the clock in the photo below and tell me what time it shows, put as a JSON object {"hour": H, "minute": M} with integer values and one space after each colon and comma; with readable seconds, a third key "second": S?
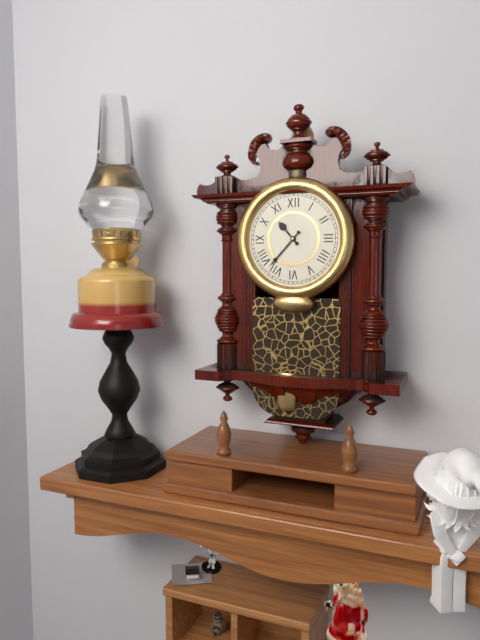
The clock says {"hour": 10, "minute": 37}
